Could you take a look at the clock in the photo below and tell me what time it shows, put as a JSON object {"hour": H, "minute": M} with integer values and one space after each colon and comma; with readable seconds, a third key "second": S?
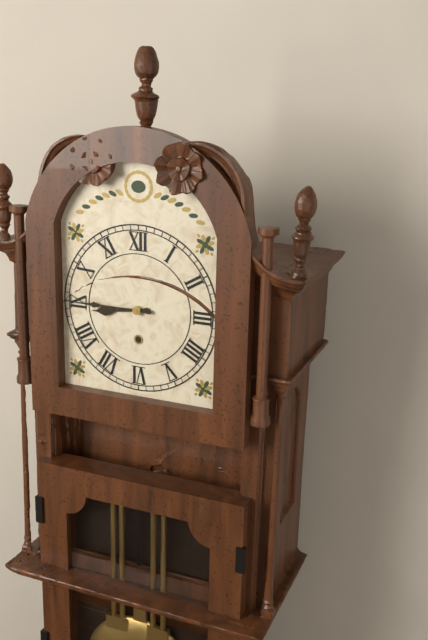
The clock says {"hour": 8, "minute": 45}
